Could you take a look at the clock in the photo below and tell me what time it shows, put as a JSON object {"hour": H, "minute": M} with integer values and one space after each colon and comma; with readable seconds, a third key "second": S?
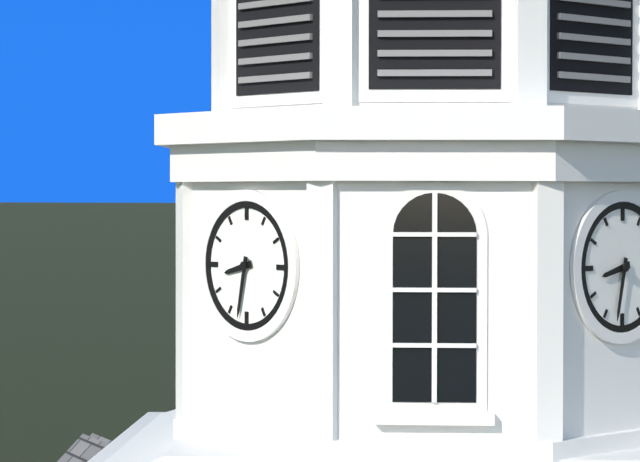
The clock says {"hour": 8, "minute": 32}
